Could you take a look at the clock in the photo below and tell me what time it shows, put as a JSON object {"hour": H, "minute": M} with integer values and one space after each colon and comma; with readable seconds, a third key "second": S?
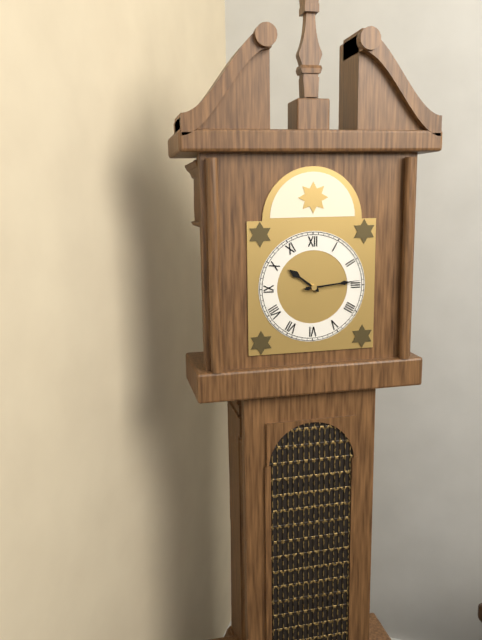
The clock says {"hour": 10, "minute": 14}
